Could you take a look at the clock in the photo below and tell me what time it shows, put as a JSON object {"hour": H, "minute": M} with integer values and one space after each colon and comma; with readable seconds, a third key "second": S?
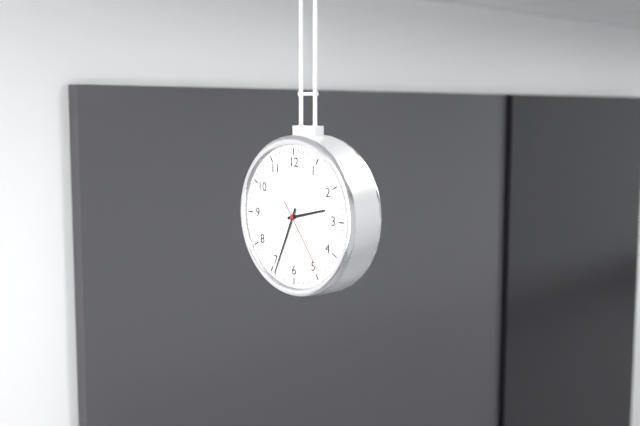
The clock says {"hour": 2, "minute": 34, "second": 24}
